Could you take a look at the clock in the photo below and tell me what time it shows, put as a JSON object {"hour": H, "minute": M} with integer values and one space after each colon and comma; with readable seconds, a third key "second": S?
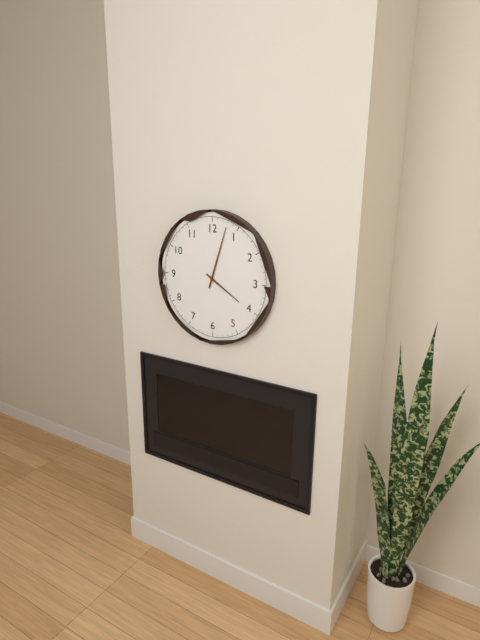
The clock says {"hour": 4, "minute": 3}
